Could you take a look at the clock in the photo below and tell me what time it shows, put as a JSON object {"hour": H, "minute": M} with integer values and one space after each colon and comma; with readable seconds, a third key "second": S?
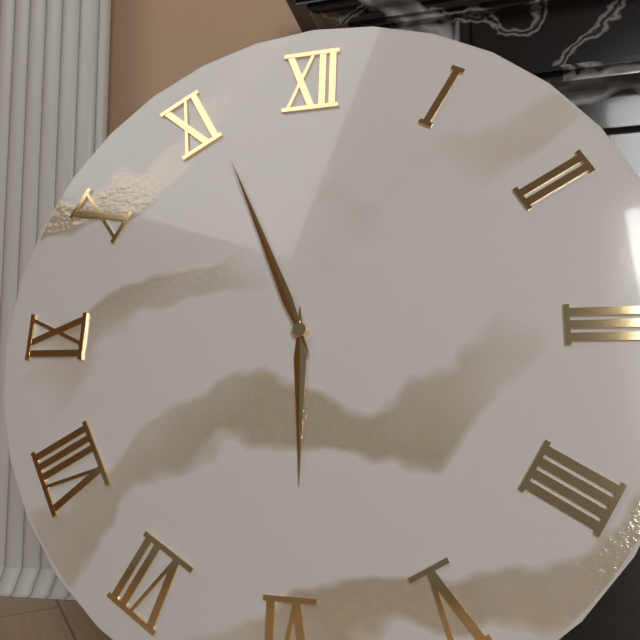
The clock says {"hour": 5, "minute": 56}
